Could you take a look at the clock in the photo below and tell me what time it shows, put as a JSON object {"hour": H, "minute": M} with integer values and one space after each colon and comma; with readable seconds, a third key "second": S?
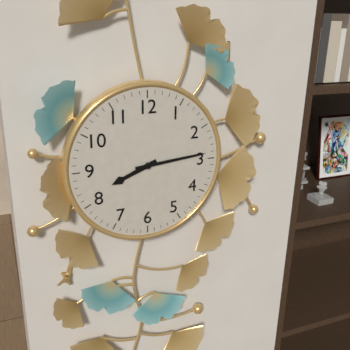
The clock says {"hour": 8, "minute": 14}
